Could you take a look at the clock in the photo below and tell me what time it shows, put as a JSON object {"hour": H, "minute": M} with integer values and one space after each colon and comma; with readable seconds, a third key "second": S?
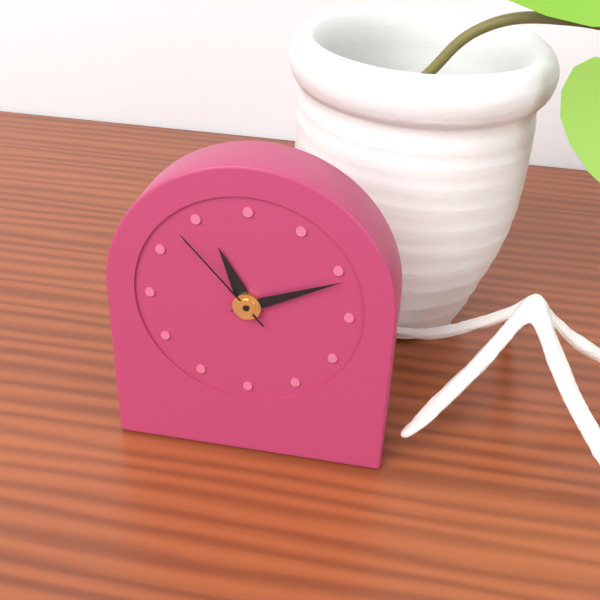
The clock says {"hour": 11, "minute": 11, "second": 53}
